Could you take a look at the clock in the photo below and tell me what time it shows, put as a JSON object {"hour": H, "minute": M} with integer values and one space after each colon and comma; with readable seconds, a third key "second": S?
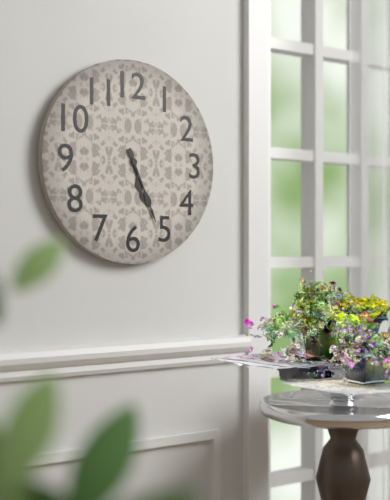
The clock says {"hour": 5, "minute": 26}
